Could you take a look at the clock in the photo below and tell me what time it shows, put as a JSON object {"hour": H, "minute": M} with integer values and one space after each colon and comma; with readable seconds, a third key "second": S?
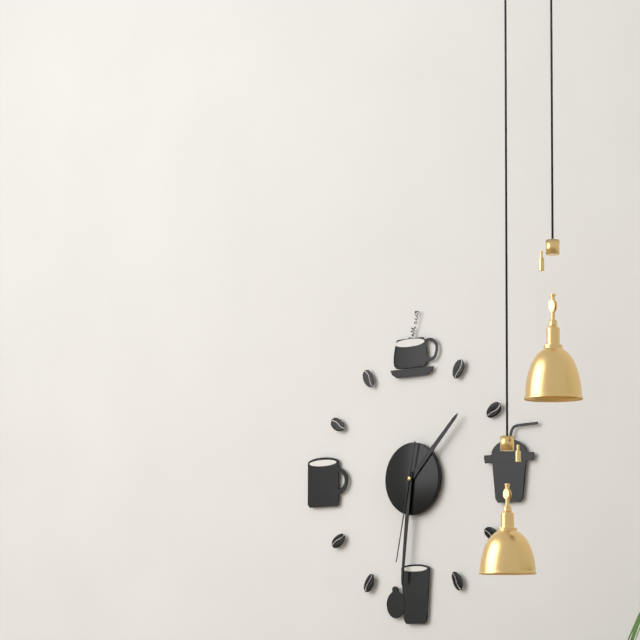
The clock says {"hour": 1, "minute": 31, "second": 32}
